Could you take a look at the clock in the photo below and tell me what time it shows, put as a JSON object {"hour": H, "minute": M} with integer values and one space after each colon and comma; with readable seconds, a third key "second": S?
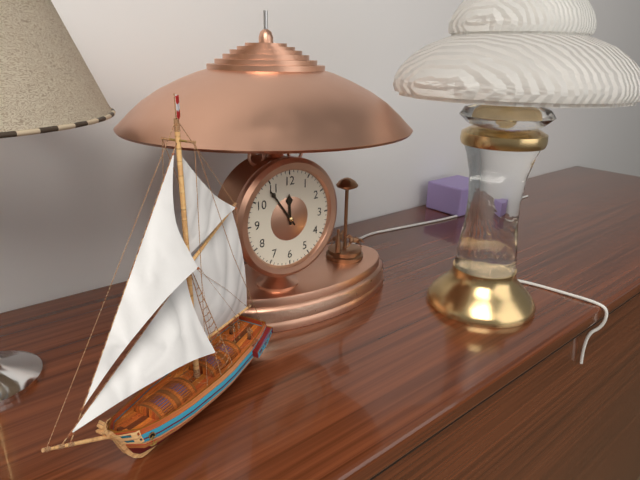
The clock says {"hour": 11, "minute": 54}
